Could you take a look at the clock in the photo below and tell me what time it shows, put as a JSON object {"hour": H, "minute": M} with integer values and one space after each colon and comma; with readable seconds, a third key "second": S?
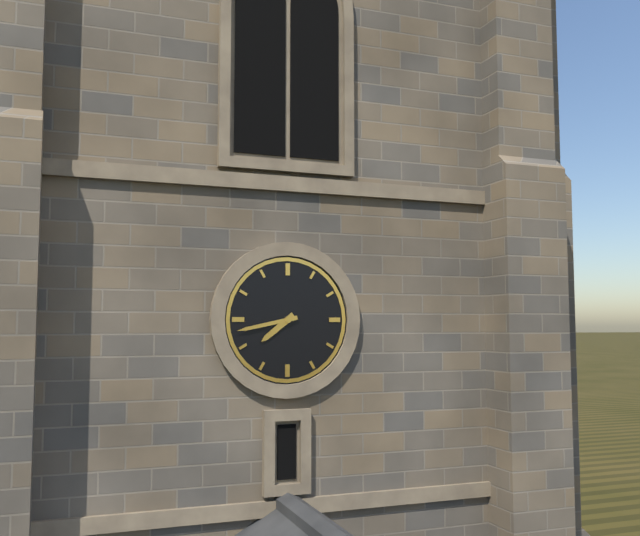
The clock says {"hour": 7, "minute": 43}
